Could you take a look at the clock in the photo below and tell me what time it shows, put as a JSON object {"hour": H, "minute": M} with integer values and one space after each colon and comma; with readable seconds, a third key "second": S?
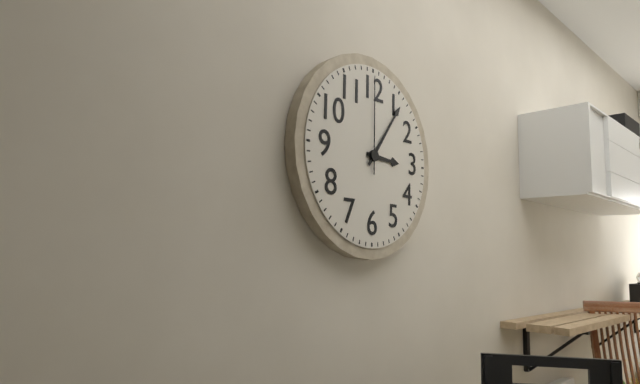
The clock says {"hour": 3, "minute": 6, "second": 0}
